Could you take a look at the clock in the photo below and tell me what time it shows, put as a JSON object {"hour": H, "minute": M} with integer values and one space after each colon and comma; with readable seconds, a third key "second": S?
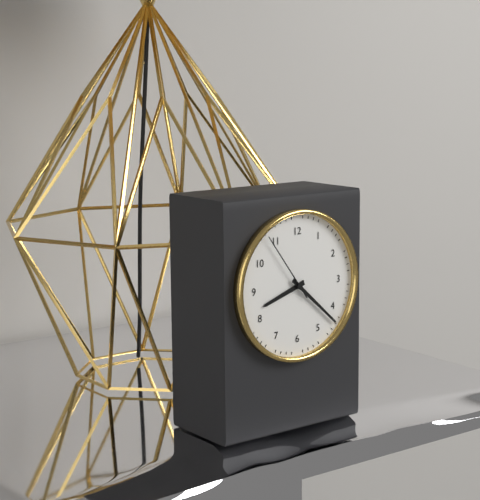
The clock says {"hour": 8, "minute": 22, "second": 54}
